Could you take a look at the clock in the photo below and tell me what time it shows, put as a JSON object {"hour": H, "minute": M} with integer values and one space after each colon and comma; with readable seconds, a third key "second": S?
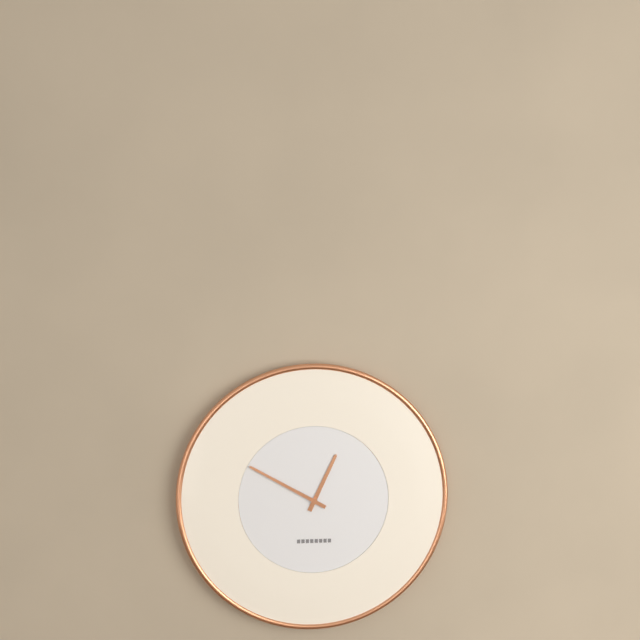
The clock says {"hour": 12, "minute": 50}
